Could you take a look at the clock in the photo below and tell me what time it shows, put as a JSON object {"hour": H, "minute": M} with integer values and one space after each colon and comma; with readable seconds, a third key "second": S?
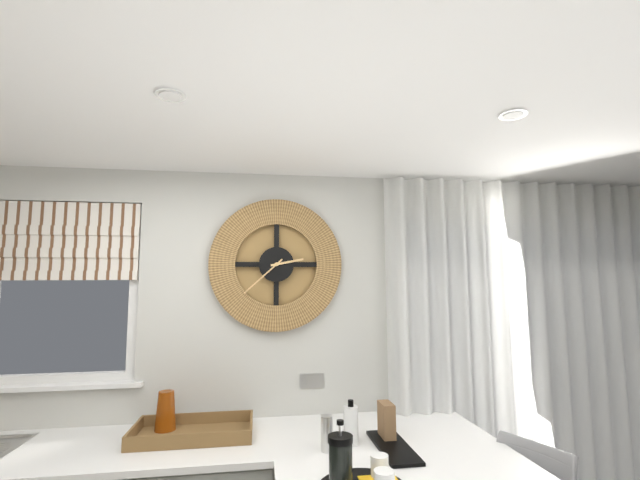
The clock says {"hour": 2, "minute": 38}
